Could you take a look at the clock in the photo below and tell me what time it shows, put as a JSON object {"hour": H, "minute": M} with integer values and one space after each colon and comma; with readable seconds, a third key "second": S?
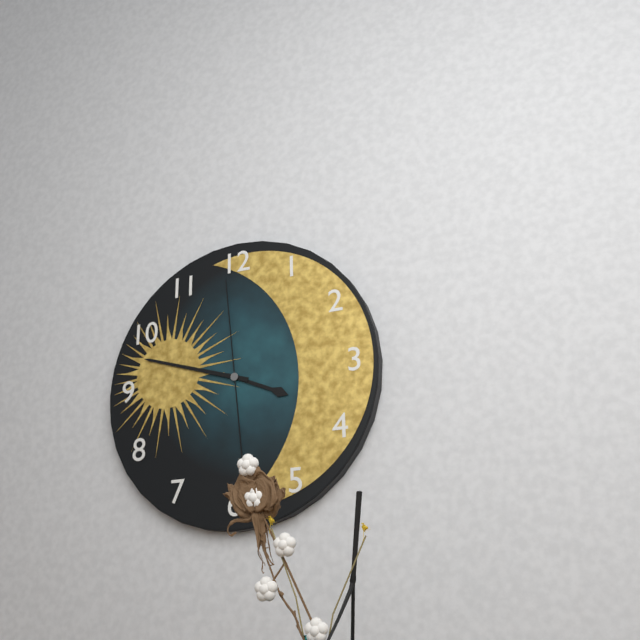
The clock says {"hour": 3, "minute": 48, "second": 59}
